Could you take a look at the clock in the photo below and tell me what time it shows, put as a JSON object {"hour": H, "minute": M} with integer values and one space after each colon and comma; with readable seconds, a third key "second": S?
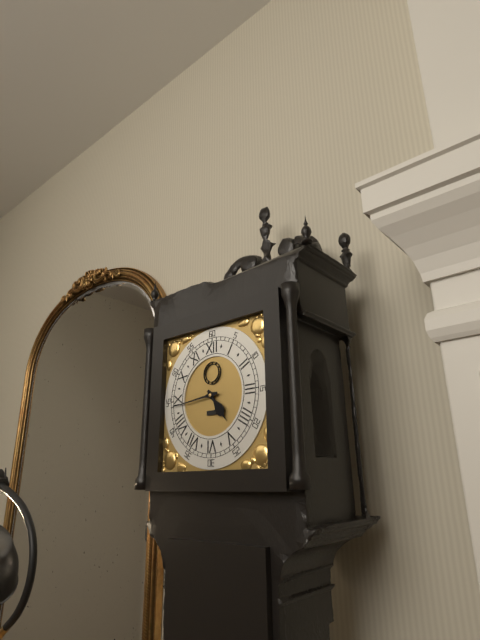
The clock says {"hour": 4, "minute": 44}
